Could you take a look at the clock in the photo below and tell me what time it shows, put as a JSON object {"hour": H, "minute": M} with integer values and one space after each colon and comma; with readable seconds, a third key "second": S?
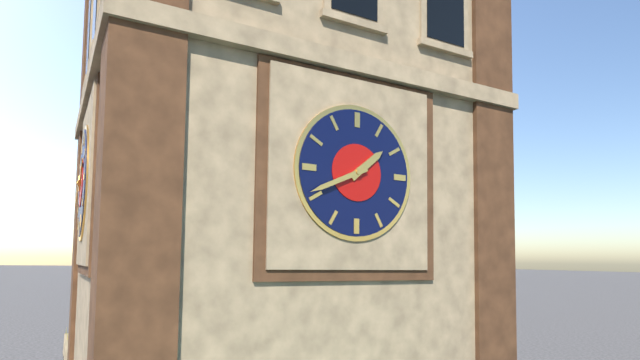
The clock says {"hour": 1, "minute": 41}
